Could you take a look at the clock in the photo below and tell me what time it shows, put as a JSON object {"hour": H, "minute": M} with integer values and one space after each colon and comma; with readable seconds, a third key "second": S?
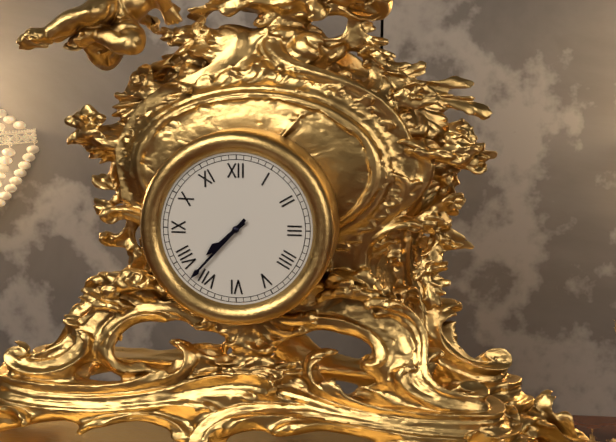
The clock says {"hour": 7, "minute": 37}
